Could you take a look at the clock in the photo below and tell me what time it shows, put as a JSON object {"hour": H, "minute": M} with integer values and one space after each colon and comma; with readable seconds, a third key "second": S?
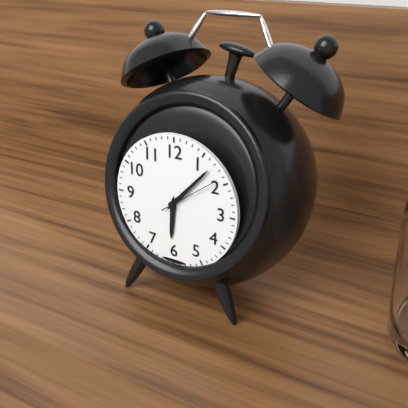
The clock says {"hour": 6, "minute": 7, "second": 9}
